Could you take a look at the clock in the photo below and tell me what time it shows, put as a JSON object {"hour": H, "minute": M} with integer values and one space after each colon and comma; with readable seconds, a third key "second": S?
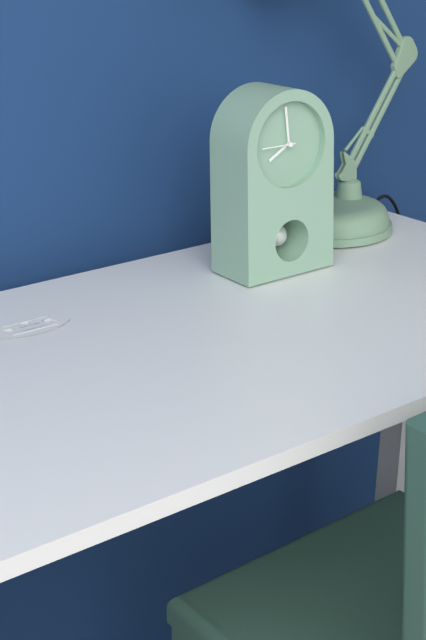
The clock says {"hour": 7, "minute": 59}
